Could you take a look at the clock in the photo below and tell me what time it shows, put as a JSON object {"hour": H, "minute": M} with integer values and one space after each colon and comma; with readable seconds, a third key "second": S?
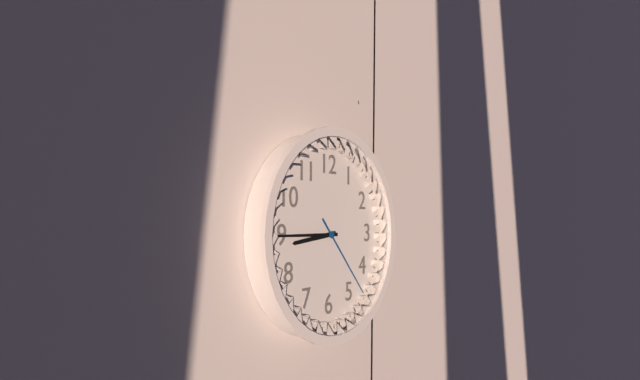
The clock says {"hour": 8, "minute": 45, "second": 23}
